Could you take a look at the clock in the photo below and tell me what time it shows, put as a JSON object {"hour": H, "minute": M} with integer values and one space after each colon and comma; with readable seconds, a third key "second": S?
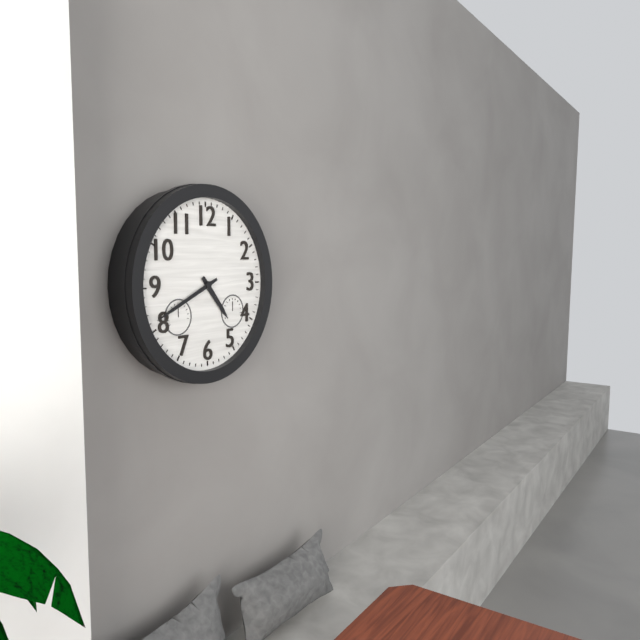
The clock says {"hour": 4, "minute": 41}
